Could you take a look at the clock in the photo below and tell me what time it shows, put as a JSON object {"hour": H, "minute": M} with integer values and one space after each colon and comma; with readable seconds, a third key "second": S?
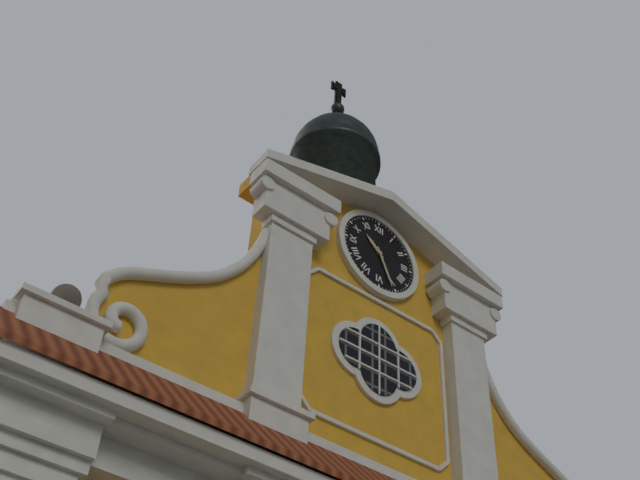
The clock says {"hour": 10, "minute": 26}
